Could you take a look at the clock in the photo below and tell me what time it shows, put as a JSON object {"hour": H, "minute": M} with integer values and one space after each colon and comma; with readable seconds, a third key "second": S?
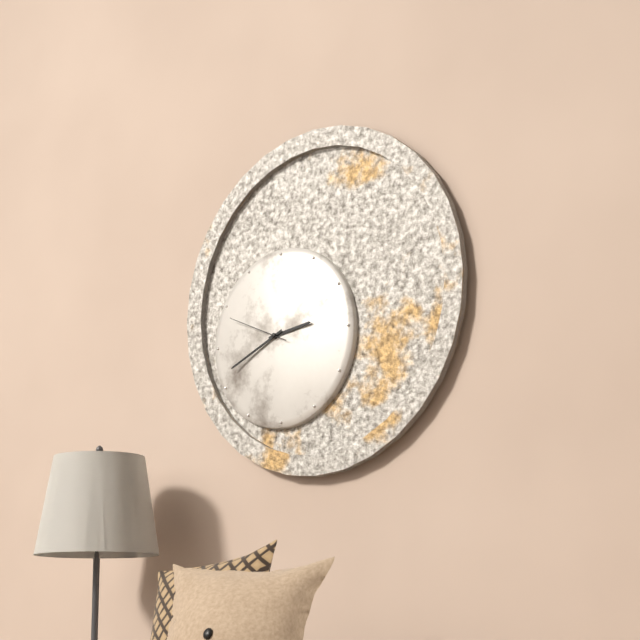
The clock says {"hour": 2, "minute": 41, "second": 49}
